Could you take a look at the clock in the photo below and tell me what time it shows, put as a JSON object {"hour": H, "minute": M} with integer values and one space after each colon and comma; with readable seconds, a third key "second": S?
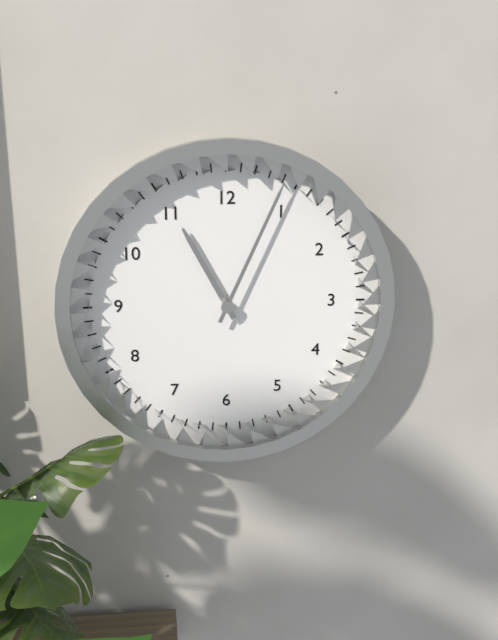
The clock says {"hour": 11, "minute": 4}
